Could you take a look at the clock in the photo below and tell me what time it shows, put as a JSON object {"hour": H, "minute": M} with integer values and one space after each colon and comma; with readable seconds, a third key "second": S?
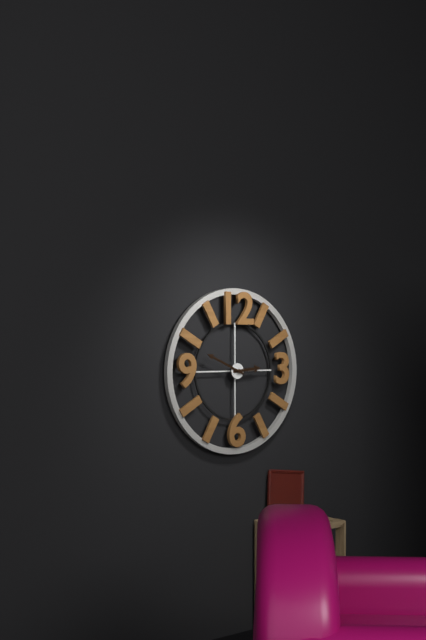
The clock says {"hour": 2, "minute": 49}
